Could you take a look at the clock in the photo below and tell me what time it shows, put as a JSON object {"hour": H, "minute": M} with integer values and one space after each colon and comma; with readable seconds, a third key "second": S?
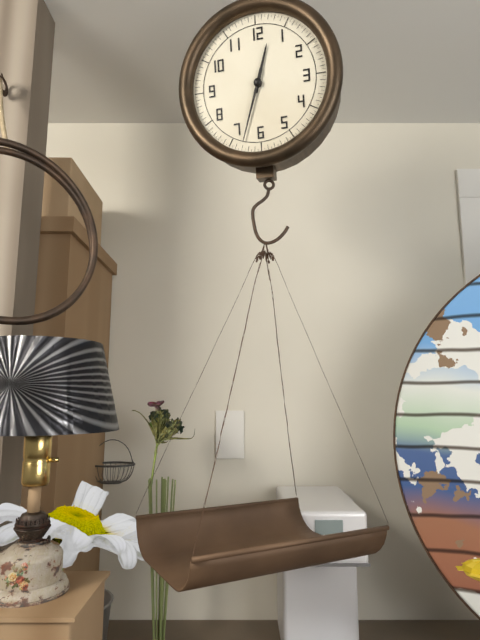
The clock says {"hour": 12, "minute": 33}
